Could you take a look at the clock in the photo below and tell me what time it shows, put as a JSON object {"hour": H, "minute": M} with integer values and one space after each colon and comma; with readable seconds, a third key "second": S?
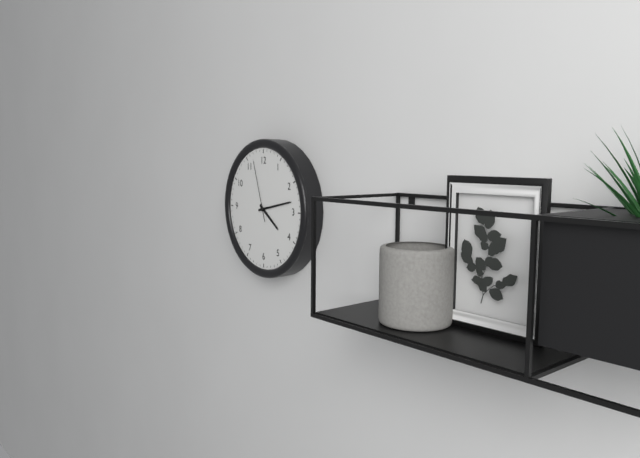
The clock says {"hour": 4, "minute": 13, "second": 57}
